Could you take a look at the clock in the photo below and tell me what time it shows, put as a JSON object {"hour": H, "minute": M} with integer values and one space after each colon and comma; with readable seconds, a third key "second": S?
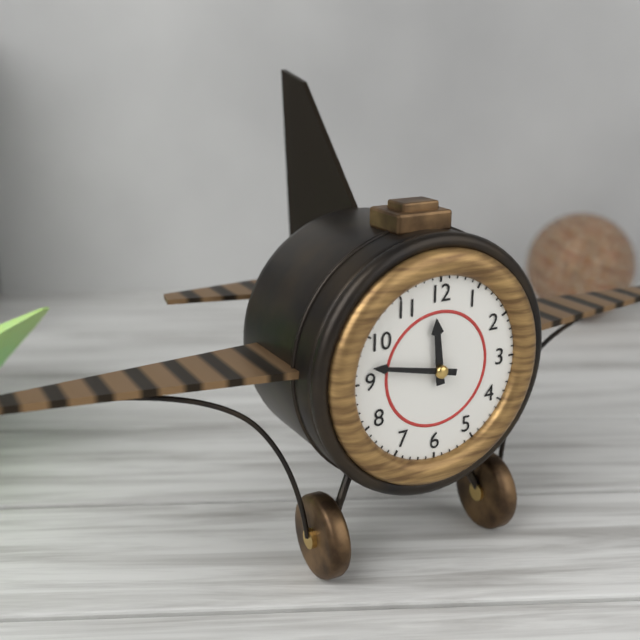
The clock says {"hour": 11, "minute": 47}
